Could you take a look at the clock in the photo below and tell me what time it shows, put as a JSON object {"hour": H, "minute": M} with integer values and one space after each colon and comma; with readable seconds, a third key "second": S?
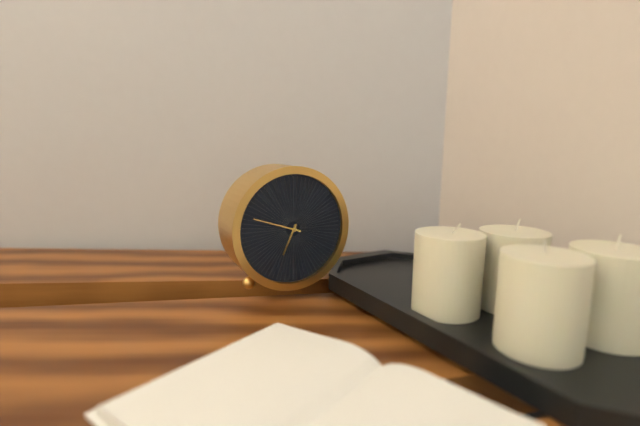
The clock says {"hour": 6, "minute": 48}
